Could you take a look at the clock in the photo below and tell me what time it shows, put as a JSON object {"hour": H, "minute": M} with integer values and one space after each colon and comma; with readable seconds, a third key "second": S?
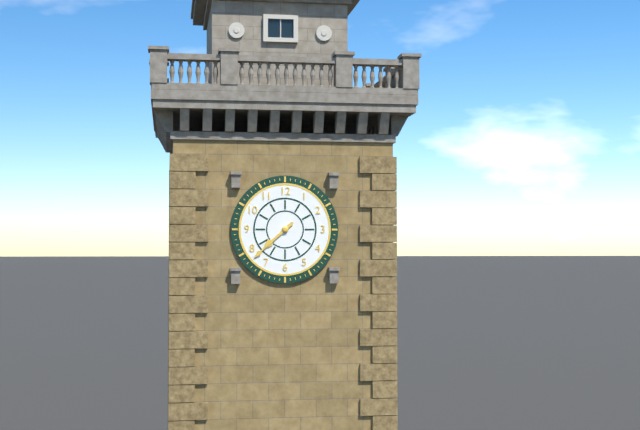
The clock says {"hour": 7, "minute": 38}
